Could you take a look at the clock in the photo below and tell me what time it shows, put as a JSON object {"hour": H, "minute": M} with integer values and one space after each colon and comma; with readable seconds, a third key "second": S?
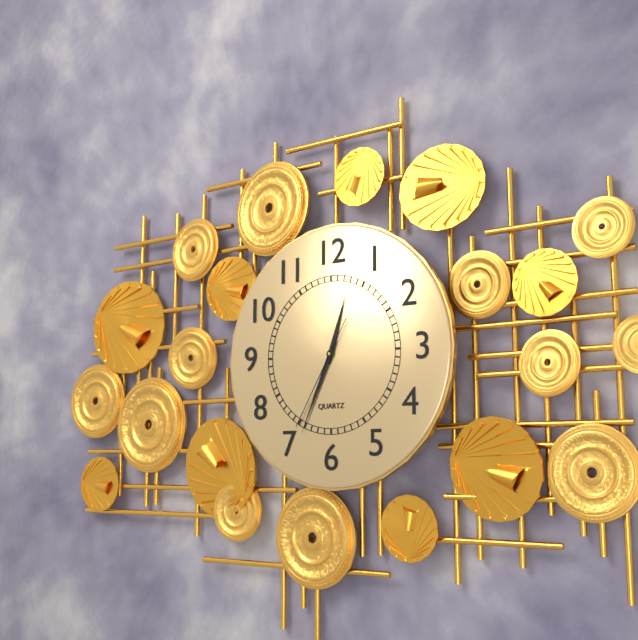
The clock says {"hour": 12, "minute": 34, "second": 35}
